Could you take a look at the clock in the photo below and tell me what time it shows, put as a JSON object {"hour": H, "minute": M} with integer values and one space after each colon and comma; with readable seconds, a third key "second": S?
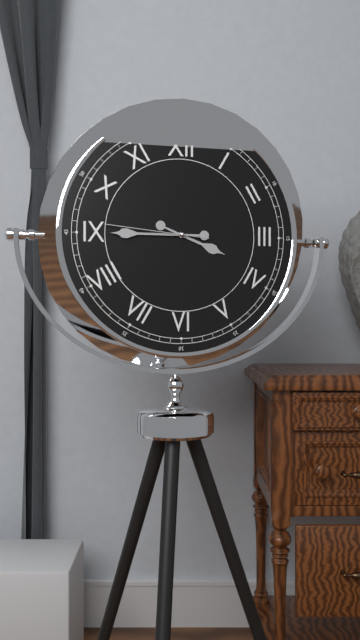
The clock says {"hour": 3, "minute": 45, "second": 46}
